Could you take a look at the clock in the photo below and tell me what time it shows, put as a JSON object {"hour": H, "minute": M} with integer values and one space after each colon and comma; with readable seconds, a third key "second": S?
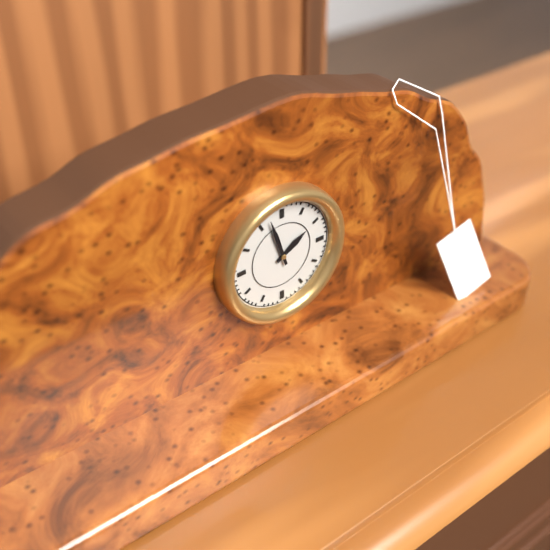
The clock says {"hour": 1, "minute": 57}
